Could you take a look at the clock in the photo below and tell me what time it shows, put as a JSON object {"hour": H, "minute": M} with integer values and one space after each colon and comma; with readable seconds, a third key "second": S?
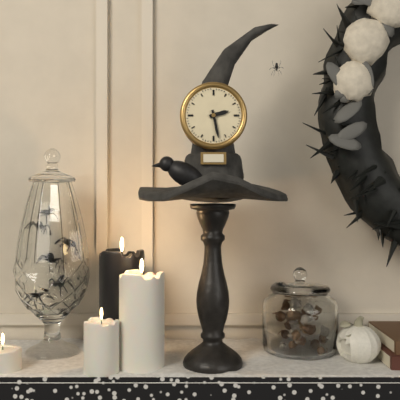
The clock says {"hour": 2, "minute": 28}
